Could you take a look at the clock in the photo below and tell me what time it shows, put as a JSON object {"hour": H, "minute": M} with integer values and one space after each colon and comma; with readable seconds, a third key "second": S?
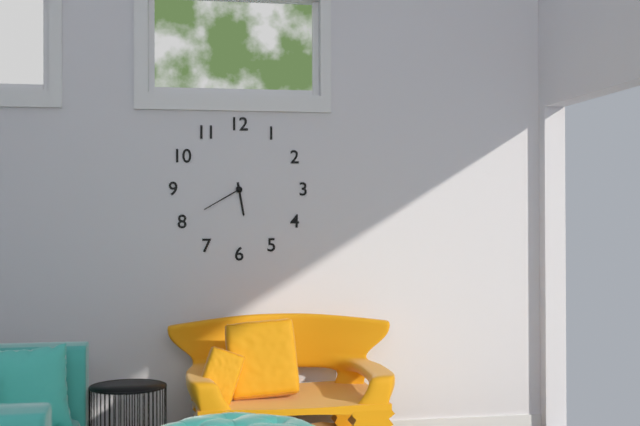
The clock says {"hour": 5, "minute": 40}
